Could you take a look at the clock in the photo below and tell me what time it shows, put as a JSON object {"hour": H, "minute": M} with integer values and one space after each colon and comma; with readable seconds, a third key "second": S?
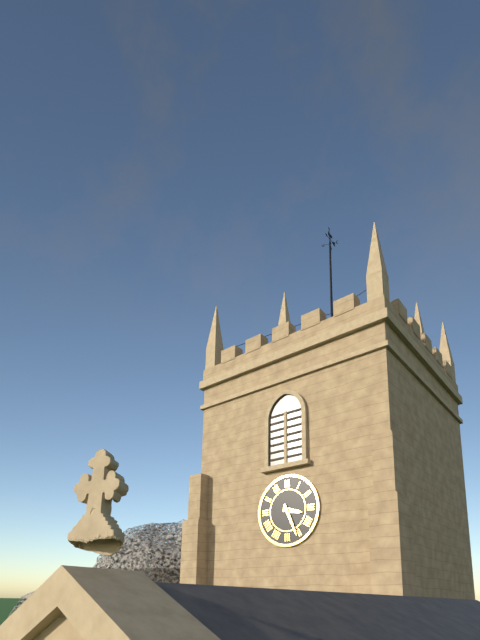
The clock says {"hour": 3, "minute": 26}
